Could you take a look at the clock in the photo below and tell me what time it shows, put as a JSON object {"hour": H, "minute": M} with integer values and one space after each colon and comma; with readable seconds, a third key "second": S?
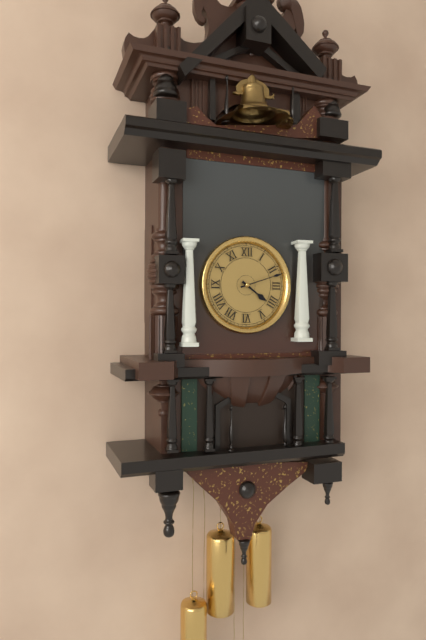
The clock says {"hour": 4, "minute": 12}
